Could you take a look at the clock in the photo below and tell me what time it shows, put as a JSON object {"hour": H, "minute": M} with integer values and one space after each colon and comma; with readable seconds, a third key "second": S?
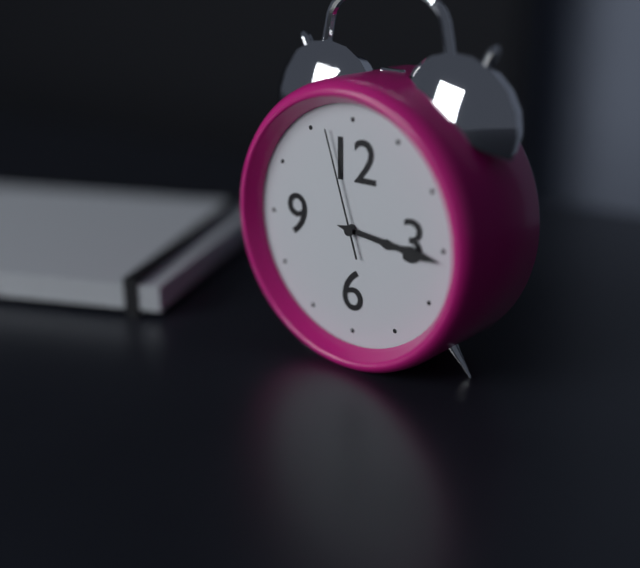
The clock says {"hour": 3, "minute": 16, "second": 57}
